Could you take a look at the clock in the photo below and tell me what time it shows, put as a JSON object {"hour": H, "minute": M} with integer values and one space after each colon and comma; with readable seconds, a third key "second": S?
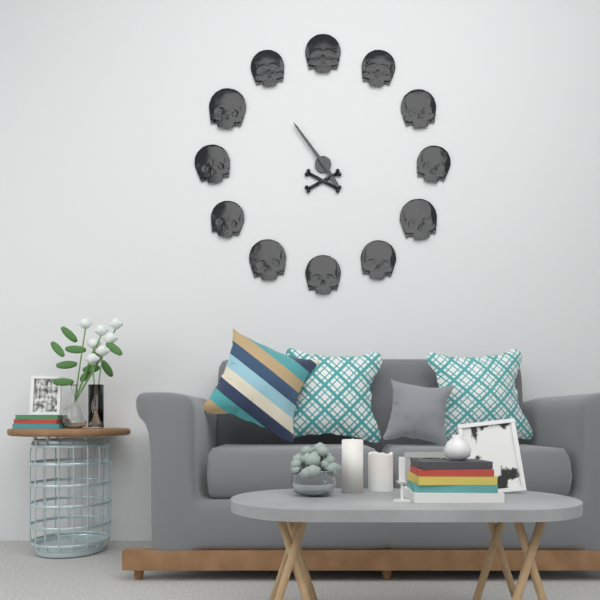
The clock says {"hour": 4, "minute": 54}
